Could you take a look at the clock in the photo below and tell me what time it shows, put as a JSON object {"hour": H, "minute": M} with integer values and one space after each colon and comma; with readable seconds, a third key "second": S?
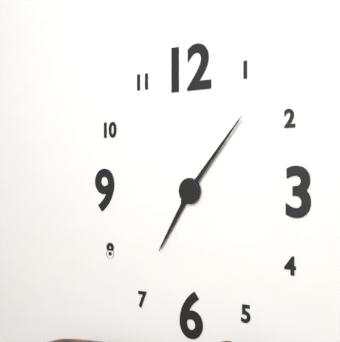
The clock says {"hour": 7, "minute": 7}
